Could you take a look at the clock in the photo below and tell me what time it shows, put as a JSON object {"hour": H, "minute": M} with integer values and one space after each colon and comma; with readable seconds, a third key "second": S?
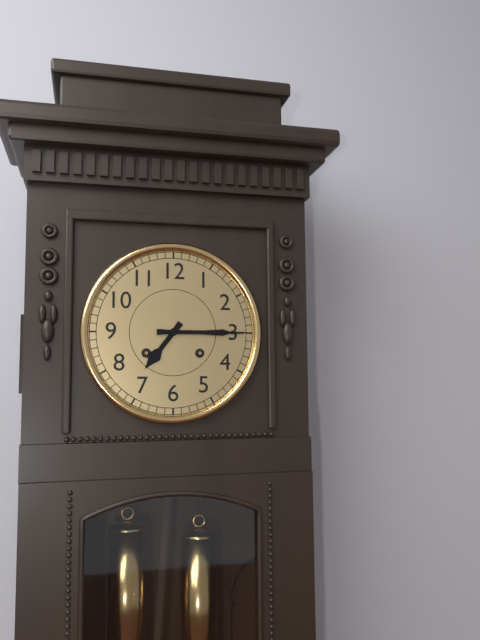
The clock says {"hour": 7, "minute": 15}
